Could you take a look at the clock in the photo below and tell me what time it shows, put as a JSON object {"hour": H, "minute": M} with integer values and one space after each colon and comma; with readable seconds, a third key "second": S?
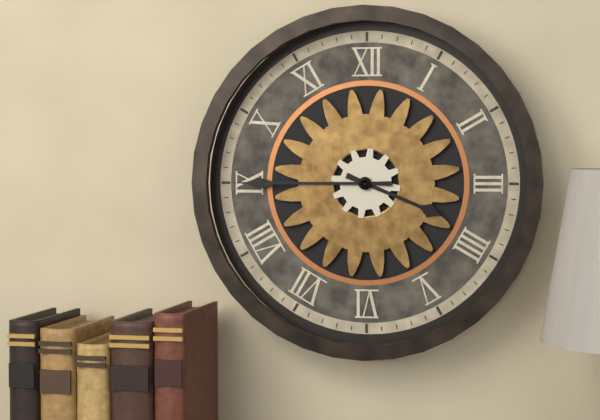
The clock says {"hour": 3, "minute": 45}
